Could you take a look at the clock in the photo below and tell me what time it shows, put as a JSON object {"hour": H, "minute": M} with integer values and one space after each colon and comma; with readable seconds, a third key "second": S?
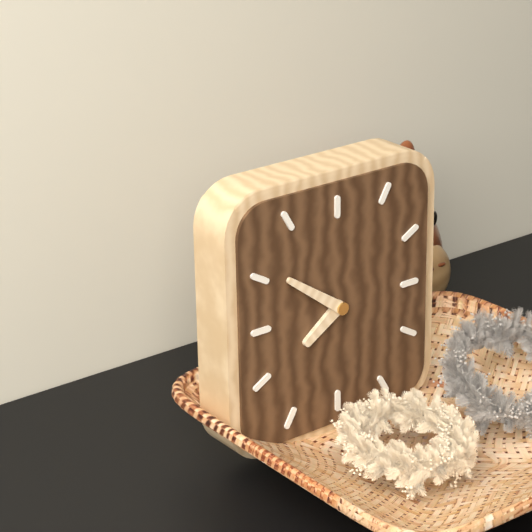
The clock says {"hour": 7, "minute": 51}
